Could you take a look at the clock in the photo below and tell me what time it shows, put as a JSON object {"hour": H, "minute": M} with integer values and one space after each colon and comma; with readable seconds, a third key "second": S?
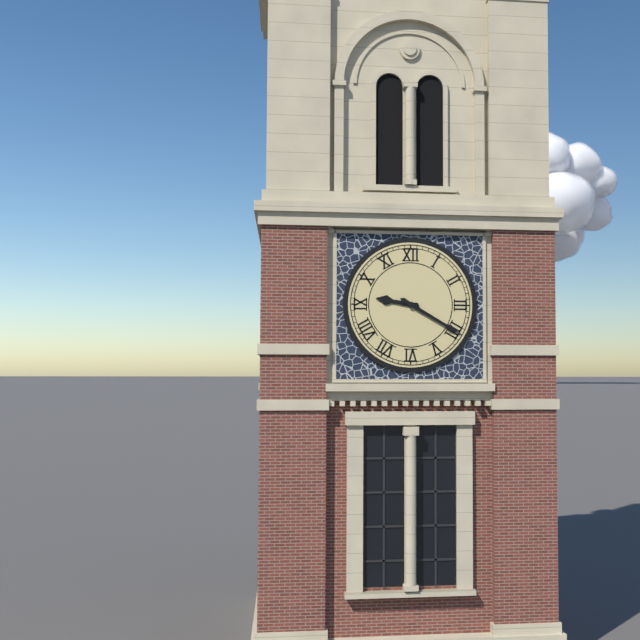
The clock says {"hour": 9, "minute": 20}
